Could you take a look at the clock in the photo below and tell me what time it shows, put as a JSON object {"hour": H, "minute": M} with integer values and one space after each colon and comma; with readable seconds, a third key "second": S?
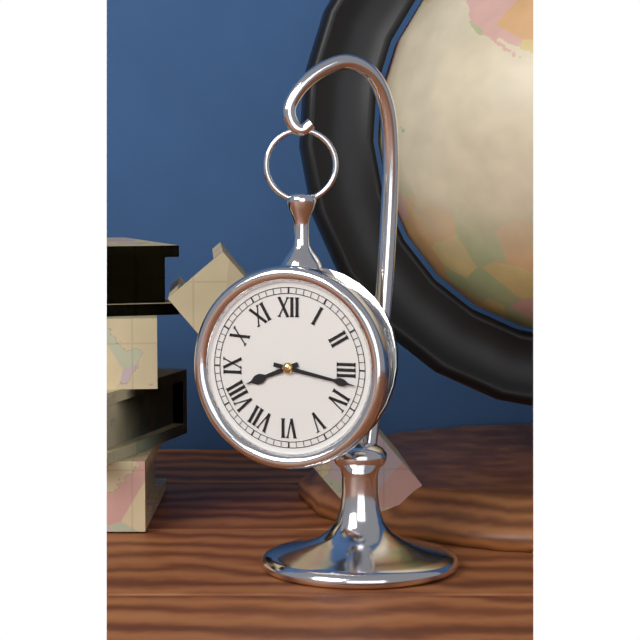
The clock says {"hour": 8, "minute": 17}
